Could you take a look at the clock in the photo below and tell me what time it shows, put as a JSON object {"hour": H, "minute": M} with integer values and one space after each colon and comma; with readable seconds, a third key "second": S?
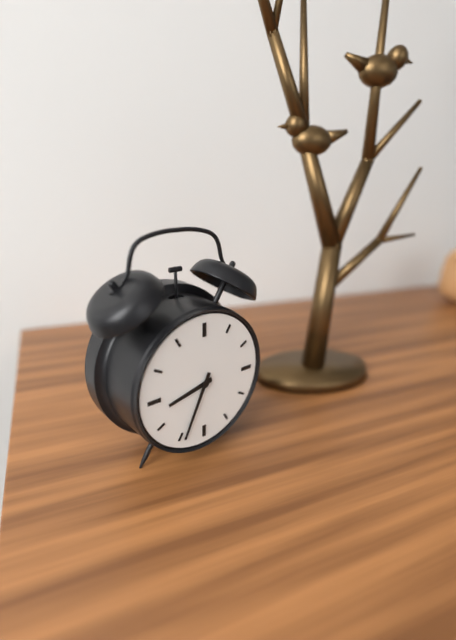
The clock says {"hour": 8, "minute": 34}
